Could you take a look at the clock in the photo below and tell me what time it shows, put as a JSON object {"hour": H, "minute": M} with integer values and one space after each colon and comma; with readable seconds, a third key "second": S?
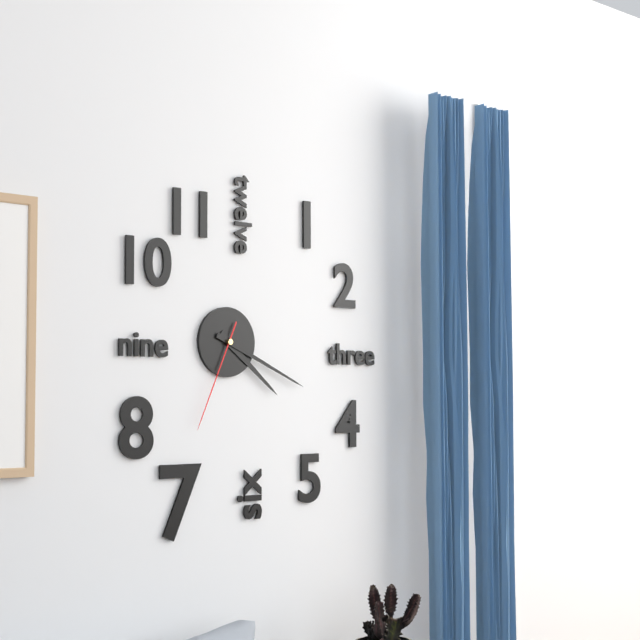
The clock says {"hour": 4, "minute": 19, "second": 34}
